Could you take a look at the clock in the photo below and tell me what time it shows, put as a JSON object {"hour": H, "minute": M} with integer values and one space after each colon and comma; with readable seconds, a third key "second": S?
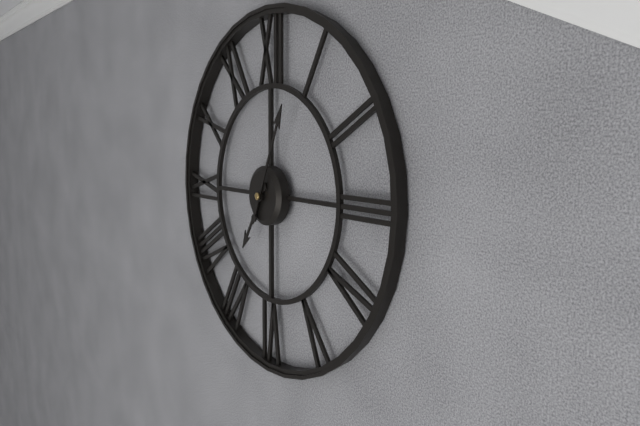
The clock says {"hour": 7, "minute": 4}
